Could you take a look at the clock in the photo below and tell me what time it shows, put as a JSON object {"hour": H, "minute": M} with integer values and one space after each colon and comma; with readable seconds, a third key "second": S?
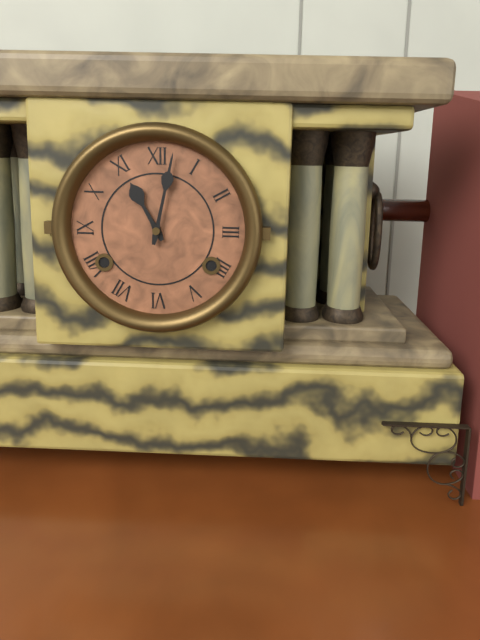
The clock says {"hour": 11, "minute": 2}
